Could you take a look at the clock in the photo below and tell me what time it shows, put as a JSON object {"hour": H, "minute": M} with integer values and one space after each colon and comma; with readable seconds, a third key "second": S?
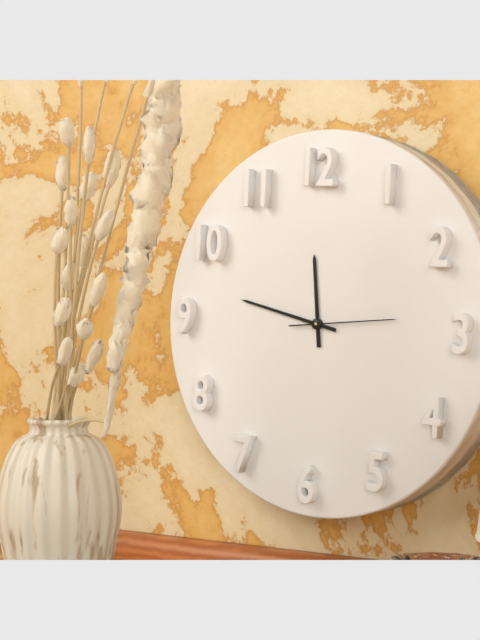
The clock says {"hour": 11, "minute": 47, "second": 14}
